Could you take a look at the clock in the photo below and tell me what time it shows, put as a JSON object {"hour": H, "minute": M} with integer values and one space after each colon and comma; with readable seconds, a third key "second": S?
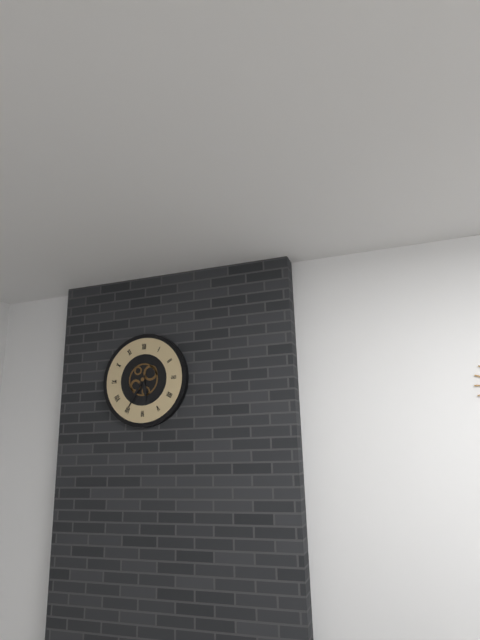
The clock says {"hour": 5, "minute": 35}
